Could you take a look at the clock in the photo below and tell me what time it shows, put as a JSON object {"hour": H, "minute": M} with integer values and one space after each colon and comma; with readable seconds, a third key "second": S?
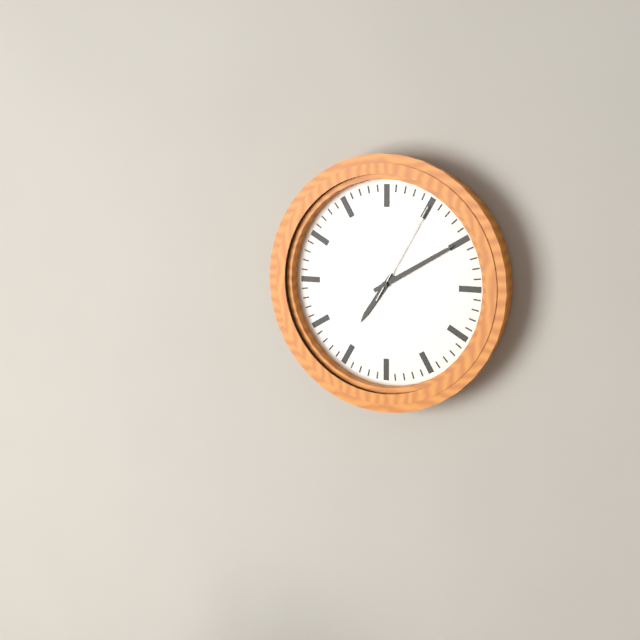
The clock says {"hour": 7, "minute": 10, "second": 5}
